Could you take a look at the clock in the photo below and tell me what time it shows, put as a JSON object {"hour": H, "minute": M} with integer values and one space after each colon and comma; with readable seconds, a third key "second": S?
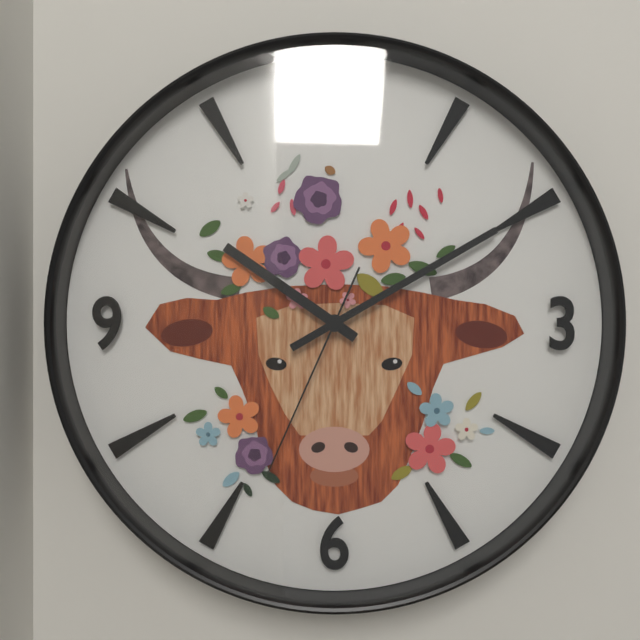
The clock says {"hour": 10, "minute": 10, "second": 34}
